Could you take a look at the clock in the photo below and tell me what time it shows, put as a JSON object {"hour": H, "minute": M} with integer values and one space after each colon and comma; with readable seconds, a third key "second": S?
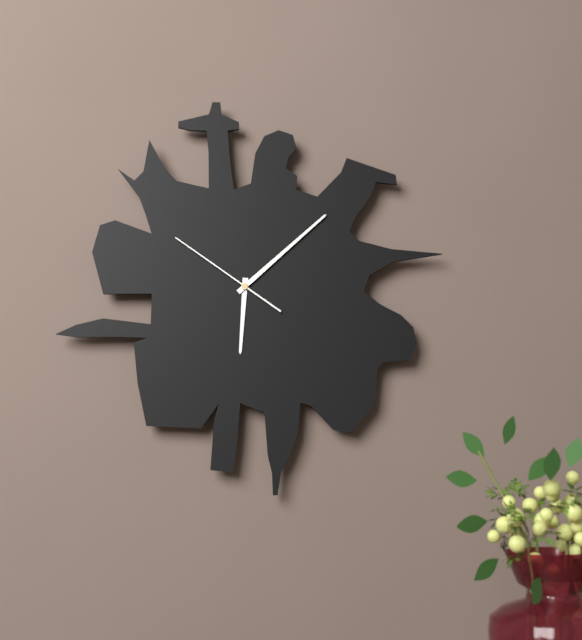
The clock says {"hour": 6, "minute": 8, "second": 51}
